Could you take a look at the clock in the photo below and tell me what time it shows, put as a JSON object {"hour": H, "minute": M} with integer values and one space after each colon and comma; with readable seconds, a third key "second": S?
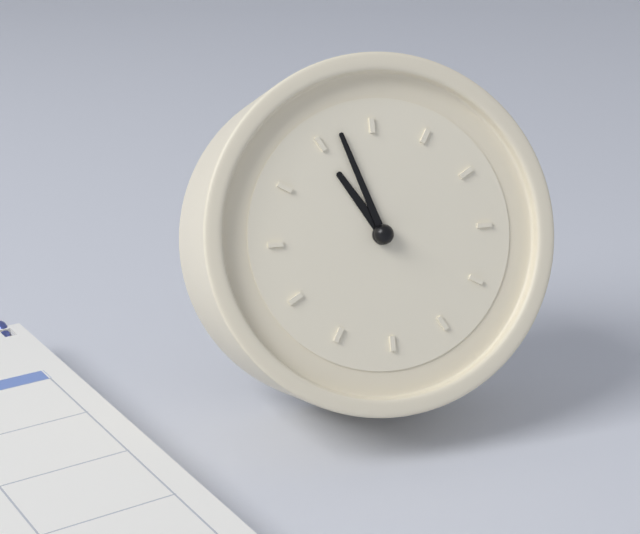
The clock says {"hour": 10, "minute": 57}
